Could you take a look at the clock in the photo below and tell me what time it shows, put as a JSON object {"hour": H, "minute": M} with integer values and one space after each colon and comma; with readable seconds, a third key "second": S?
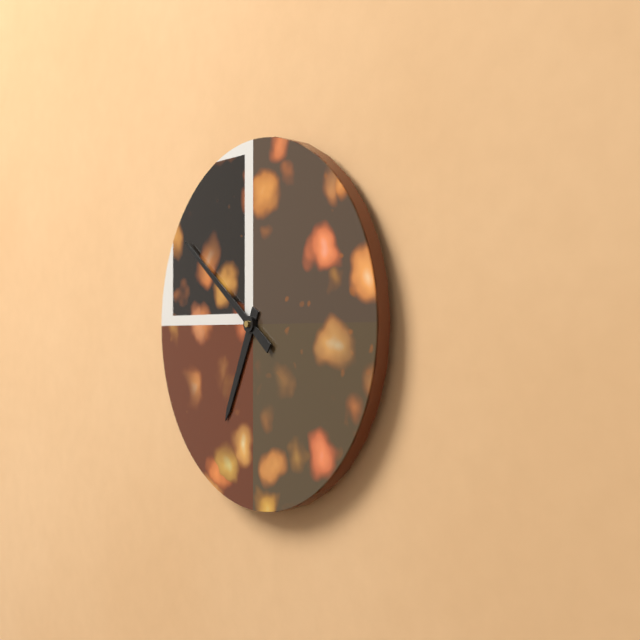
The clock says {"hour": 6, "minute": 51}
